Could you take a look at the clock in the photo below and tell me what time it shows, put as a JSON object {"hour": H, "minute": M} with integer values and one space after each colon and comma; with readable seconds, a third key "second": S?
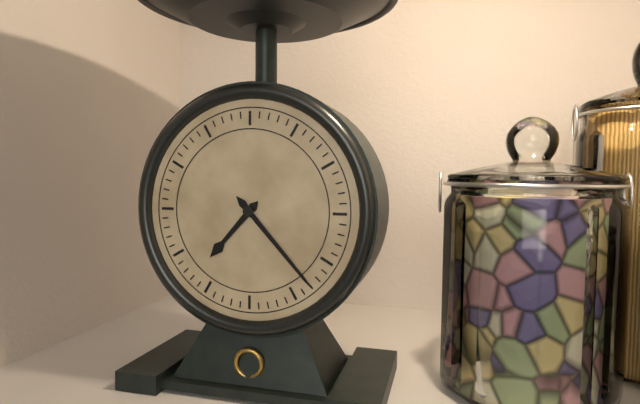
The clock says {"hour": 7, "minute": 23}
